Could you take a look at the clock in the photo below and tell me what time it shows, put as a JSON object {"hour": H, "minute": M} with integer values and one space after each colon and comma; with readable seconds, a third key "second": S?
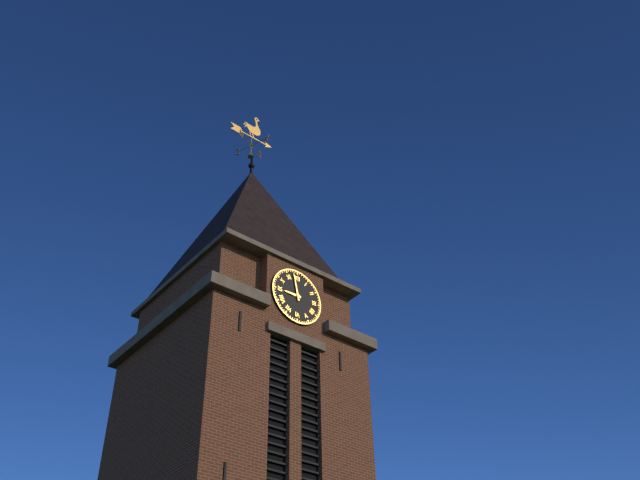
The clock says {"hour": 8, "minute": 58}
